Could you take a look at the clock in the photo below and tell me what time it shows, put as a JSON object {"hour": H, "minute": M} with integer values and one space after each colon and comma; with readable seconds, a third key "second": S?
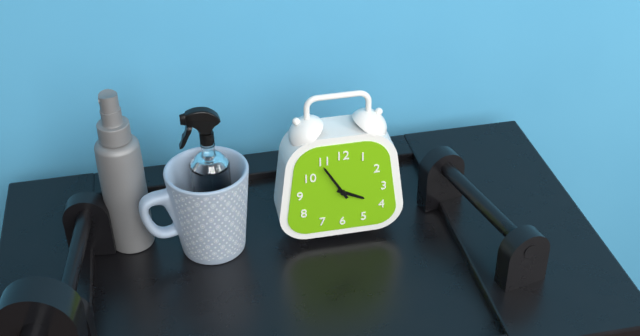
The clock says {"hour": 3, "minute": 55}
